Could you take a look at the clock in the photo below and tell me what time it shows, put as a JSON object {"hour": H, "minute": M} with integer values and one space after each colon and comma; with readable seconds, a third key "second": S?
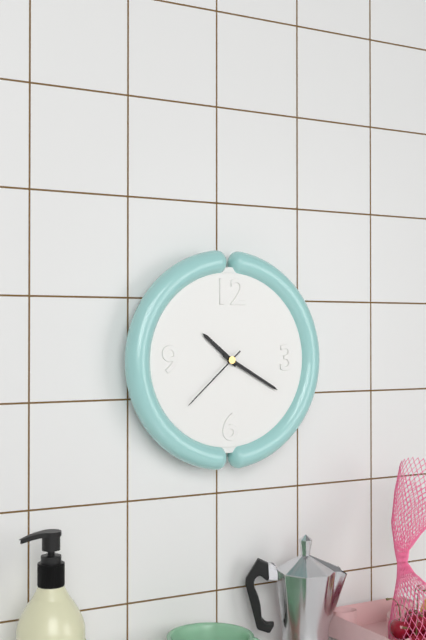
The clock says {"hour": 10, "minute": 20, "second": 38}
